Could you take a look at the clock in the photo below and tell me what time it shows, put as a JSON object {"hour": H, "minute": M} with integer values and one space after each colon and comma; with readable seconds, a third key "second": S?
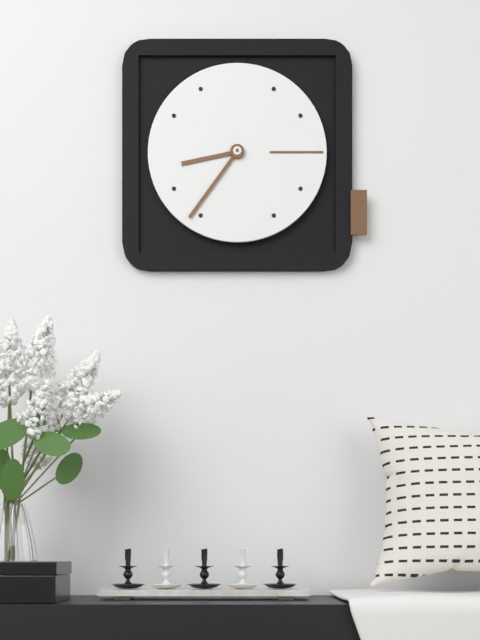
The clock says {"hour": 8, "minute": 36}
